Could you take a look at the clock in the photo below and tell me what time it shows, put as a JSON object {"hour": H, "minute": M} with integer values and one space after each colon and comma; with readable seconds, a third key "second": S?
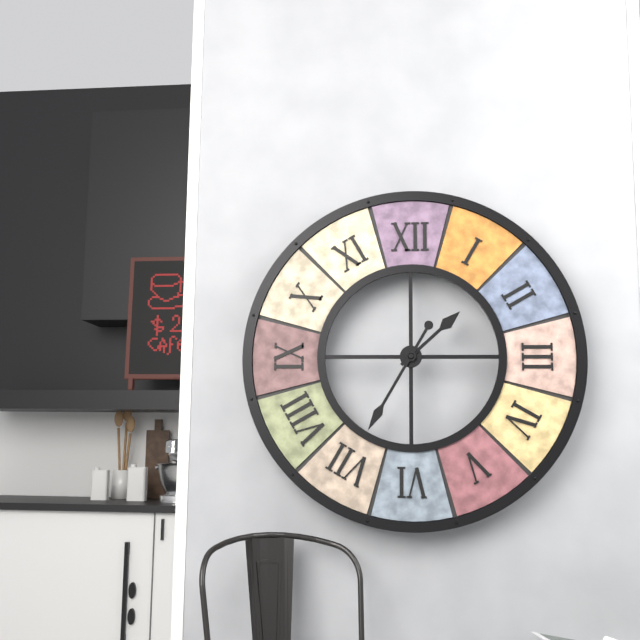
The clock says {"hour": 1, "minute": 35}
